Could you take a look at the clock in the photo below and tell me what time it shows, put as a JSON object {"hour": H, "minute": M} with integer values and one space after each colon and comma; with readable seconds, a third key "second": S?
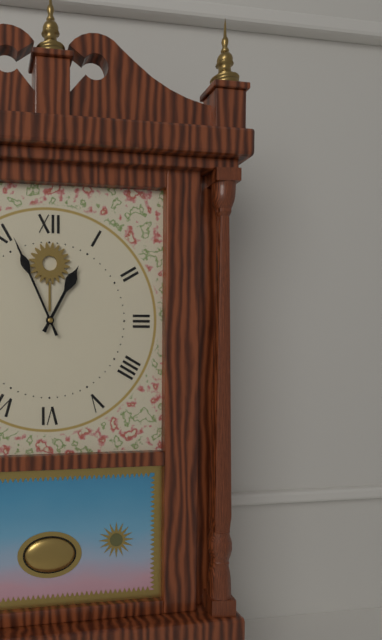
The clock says {"hour": 12, "minute": 56}
